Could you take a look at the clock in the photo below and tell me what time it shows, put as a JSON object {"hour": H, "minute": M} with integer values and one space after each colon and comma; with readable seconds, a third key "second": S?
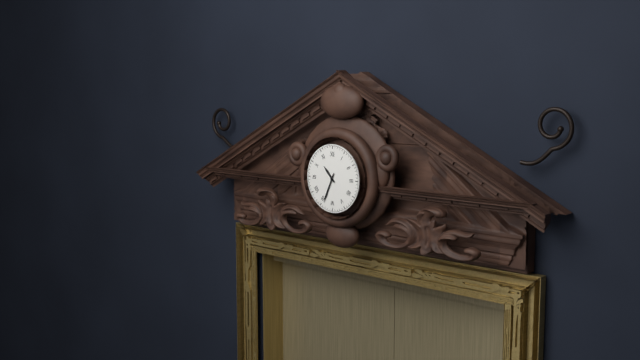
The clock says {"hour": 10, "minute": 34}
